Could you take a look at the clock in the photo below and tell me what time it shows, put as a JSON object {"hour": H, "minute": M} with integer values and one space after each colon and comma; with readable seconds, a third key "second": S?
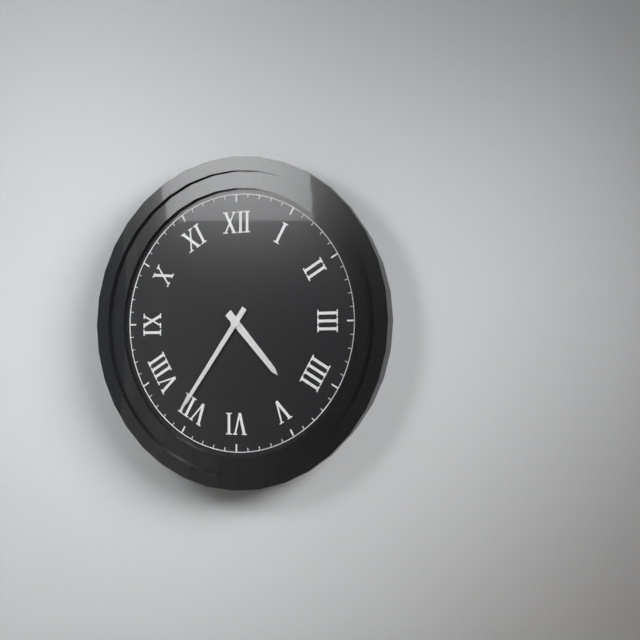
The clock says {"hour": 4, "minute": 36}
